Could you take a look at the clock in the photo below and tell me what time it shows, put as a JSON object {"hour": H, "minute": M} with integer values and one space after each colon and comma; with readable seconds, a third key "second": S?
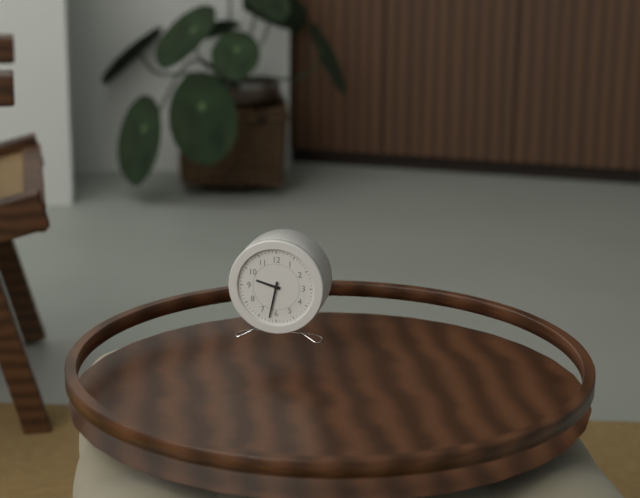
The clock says {"hour": 9, "minute": 32}
